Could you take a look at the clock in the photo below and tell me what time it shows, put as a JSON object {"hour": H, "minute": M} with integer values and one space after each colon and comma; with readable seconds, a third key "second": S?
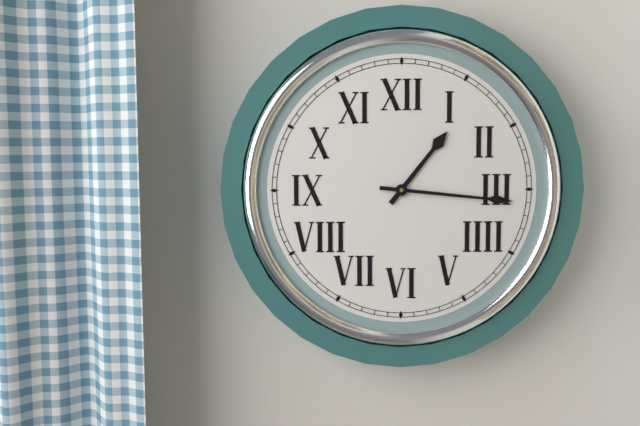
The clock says {"hour": 1, "minute": 16}
